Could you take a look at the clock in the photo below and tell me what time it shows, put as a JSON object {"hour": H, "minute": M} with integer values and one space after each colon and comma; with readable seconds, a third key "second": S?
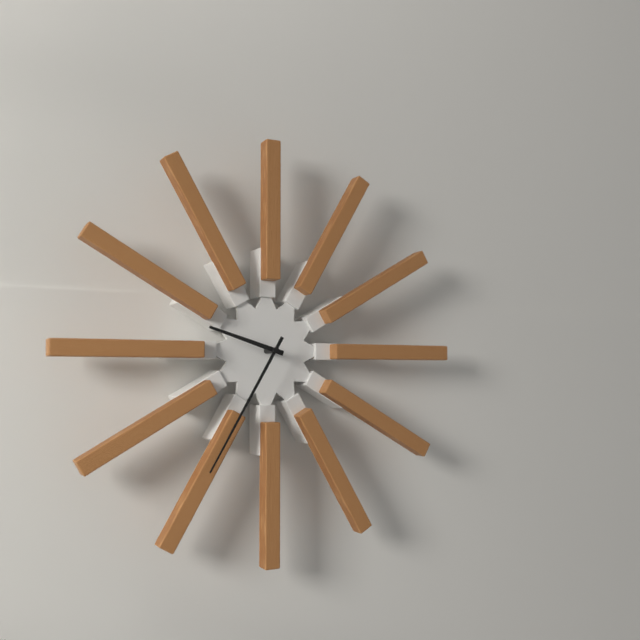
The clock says {"hour": 9, "minute": 35}
